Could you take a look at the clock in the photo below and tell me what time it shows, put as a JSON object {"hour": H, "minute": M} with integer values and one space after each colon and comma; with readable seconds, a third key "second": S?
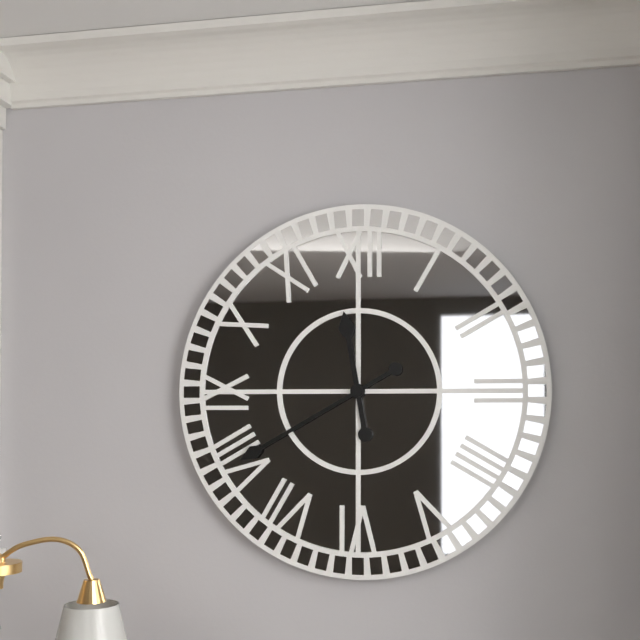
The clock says {"hour": 11, "minute": 40}
